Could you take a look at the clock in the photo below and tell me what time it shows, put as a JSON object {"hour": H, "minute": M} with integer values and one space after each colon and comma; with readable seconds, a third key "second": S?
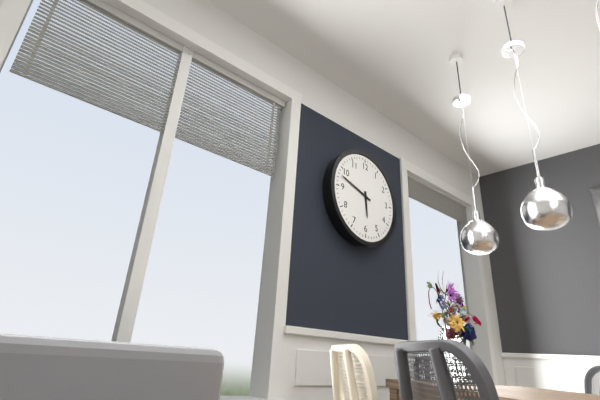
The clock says {"hour": 5, "minute": 48}
